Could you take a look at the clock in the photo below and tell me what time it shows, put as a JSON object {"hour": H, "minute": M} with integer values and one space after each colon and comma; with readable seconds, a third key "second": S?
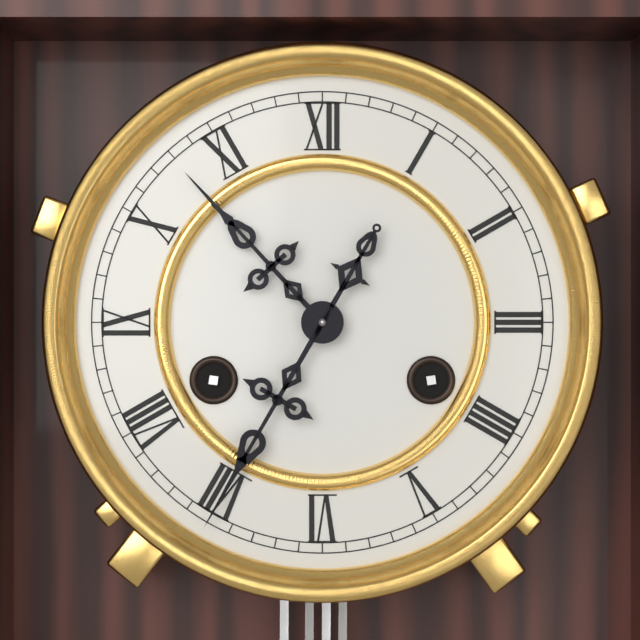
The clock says {"hour": 10, "minute": 35}
